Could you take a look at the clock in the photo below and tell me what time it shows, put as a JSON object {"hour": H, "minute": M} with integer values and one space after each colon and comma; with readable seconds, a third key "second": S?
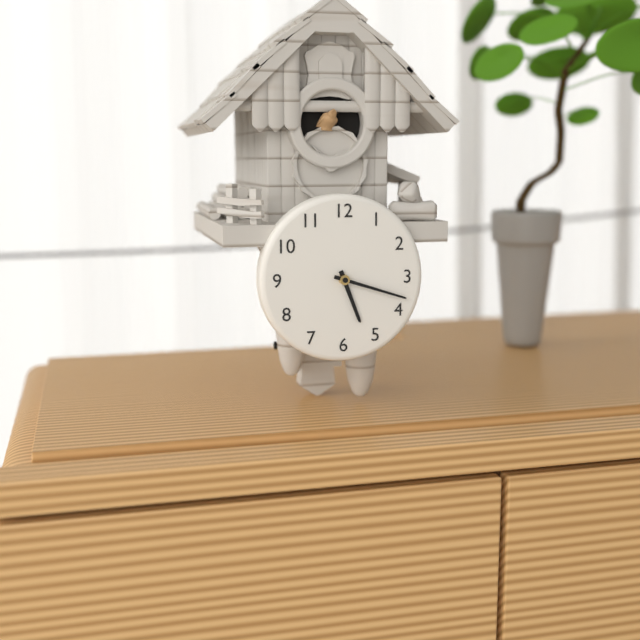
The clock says {"hour": 5, "minute": 18}
